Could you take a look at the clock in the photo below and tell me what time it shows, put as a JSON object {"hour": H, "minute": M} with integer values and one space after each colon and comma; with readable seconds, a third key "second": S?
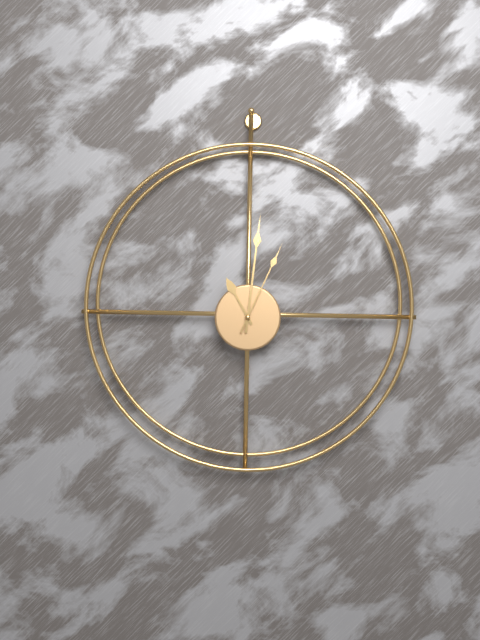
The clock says {"hour": 11, "minute": 1, "second": 4}
